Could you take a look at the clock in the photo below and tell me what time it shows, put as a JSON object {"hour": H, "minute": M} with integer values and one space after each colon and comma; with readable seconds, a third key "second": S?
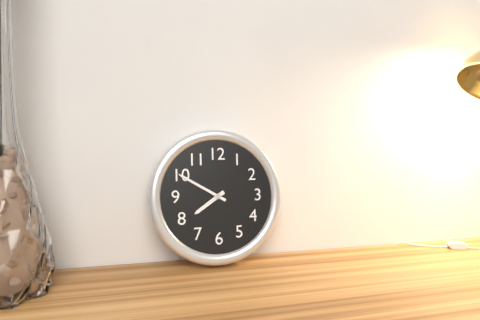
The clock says {"hour": 7, "minute": 50}
